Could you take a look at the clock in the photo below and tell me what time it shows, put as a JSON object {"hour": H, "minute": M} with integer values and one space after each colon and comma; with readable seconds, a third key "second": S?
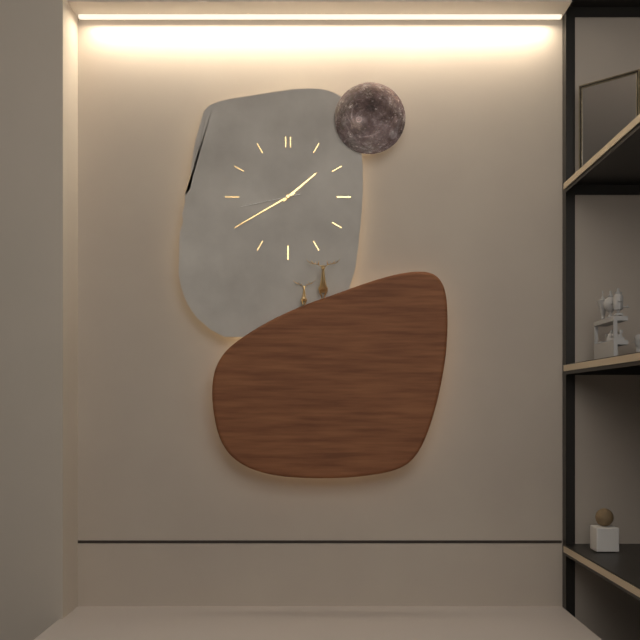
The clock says {"hour": 1, "minute": 40, "second": 43}
